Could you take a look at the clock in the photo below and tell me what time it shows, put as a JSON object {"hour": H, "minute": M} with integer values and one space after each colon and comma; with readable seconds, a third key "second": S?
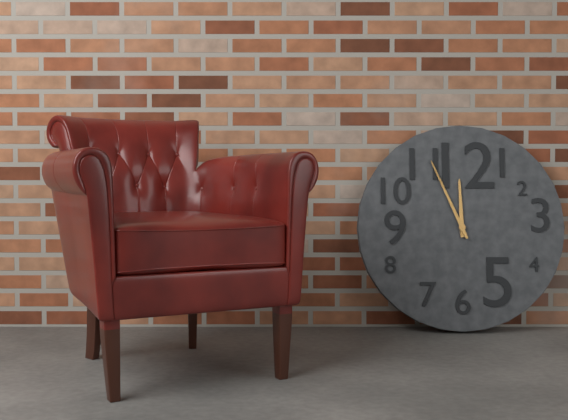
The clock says {"hour": 11, "minute": 56}
